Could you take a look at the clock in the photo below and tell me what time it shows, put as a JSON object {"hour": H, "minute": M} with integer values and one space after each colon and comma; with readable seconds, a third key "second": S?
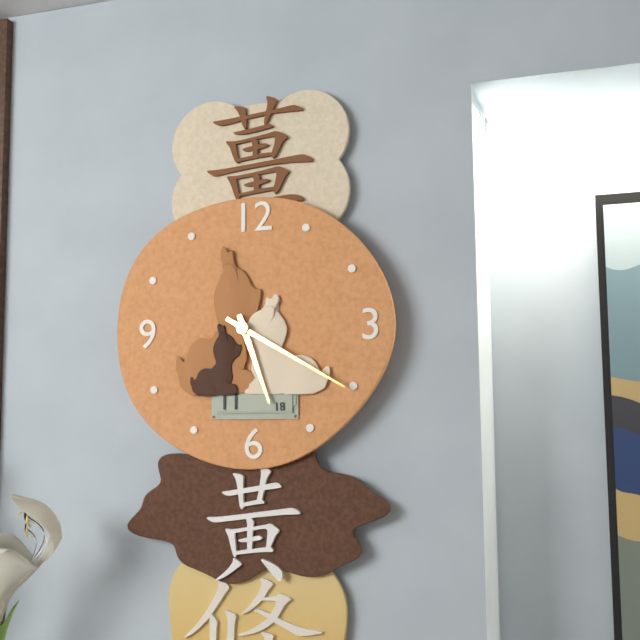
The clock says {"hour": 5, "minute": 20}
